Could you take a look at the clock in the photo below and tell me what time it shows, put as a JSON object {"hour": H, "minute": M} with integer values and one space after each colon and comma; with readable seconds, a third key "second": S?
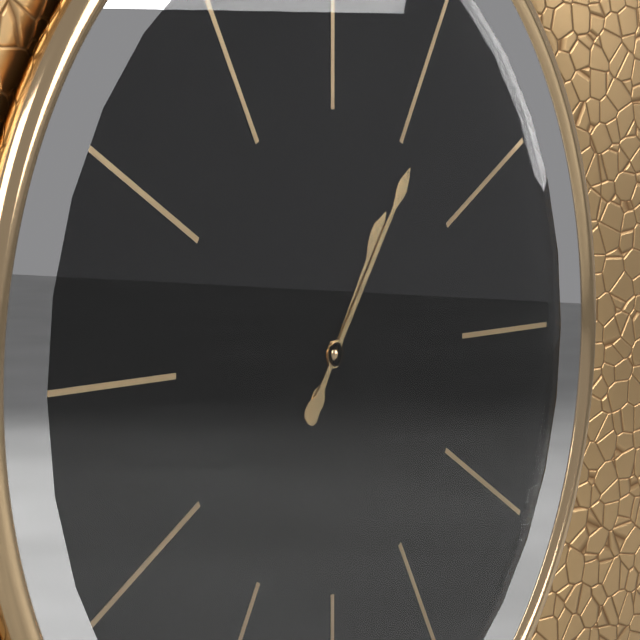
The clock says {"hour": 1, "minute": 6}
